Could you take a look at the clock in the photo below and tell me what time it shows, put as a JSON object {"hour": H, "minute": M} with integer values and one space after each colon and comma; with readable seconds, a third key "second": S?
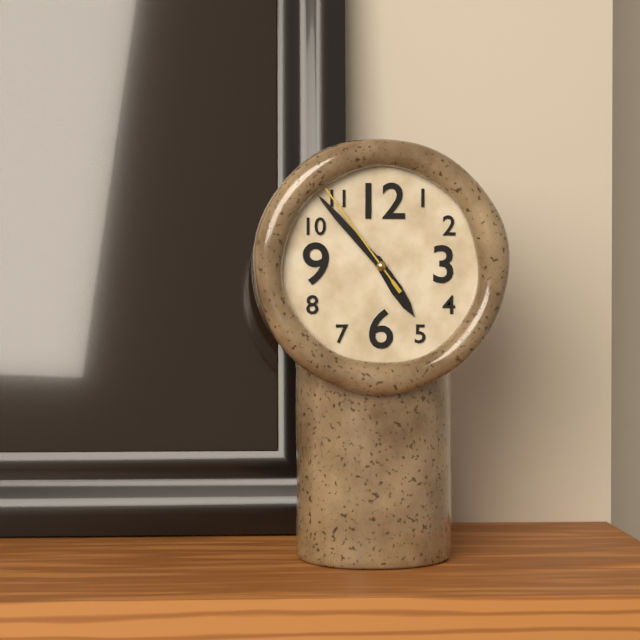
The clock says {"hour": 4, "minute": 53, "second": 54}
